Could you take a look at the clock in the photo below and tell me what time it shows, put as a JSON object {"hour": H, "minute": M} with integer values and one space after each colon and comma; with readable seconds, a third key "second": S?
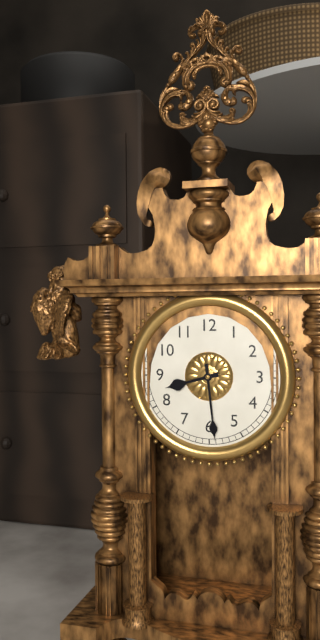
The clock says {"hour": 8, "minute": 29}
